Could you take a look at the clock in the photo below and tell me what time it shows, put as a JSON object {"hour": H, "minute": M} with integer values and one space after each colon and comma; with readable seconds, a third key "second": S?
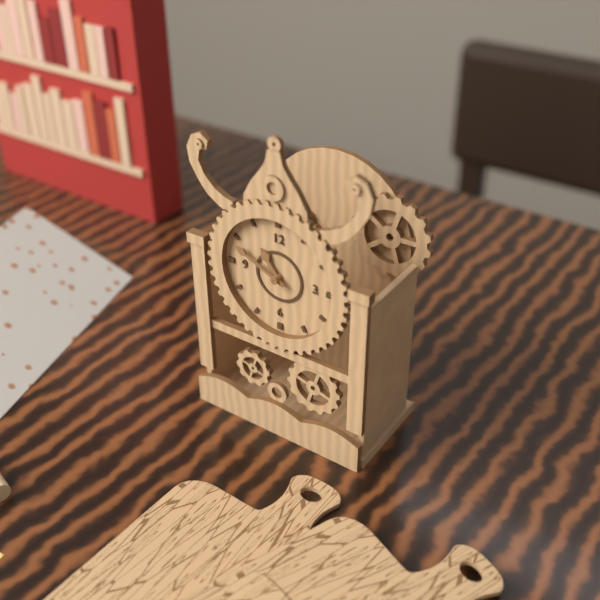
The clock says {"hour": 10, "minute": 49}
